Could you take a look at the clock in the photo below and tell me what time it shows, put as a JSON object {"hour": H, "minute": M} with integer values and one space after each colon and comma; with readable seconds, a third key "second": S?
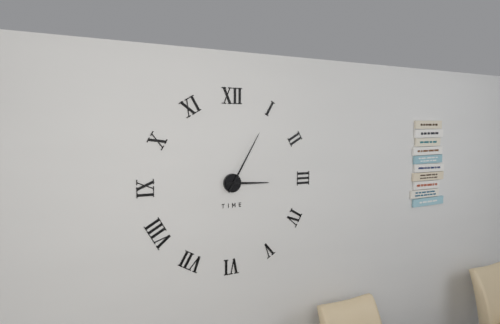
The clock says {"hour": 3, "minute": 5}
